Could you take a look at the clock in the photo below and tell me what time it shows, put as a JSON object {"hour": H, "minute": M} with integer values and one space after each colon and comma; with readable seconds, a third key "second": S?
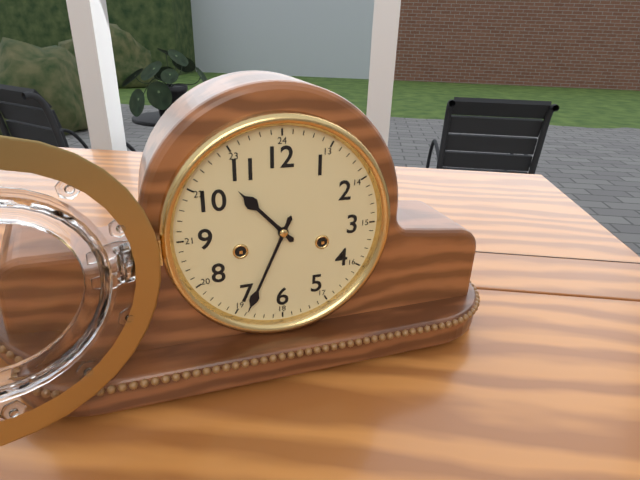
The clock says {"hour": 10, "minute": 34}
